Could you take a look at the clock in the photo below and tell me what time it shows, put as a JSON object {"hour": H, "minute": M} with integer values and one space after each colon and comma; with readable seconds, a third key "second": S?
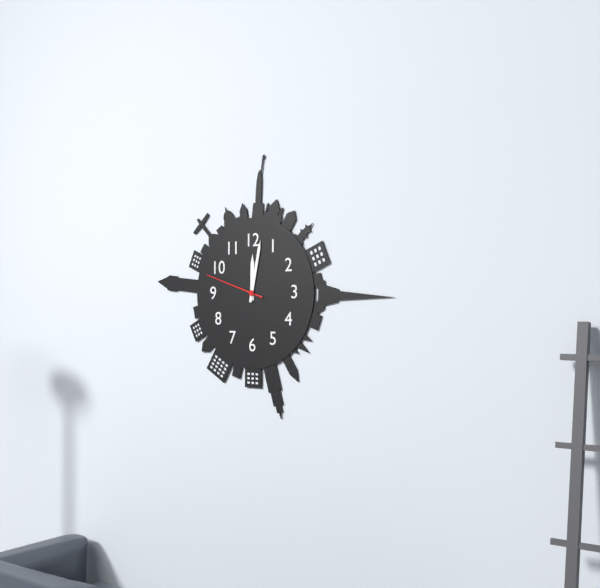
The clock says {"hour": 12, "minute": 2, "second": 48}
